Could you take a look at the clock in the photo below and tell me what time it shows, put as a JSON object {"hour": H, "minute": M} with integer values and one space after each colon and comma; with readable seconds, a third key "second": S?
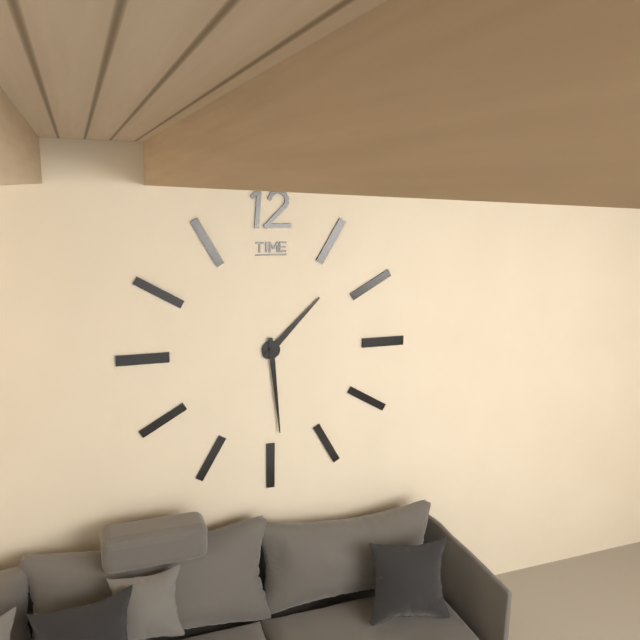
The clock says {"hour": 1, "minute": 29}
